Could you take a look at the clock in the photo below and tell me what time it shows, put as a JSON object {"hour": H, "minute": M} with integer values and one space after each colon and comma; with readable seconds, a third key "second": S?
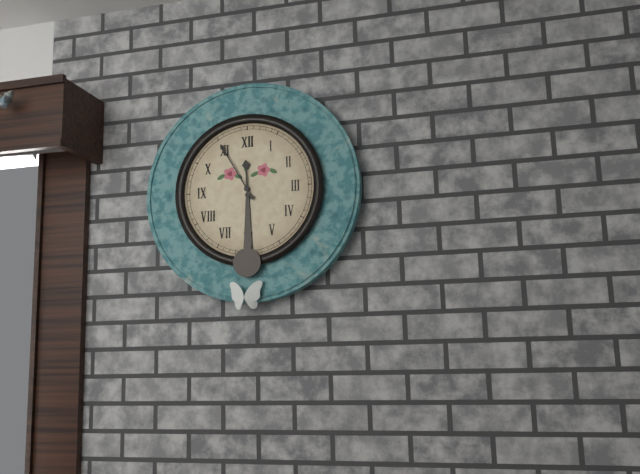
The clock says {"hour": 11, "minute": 55}
